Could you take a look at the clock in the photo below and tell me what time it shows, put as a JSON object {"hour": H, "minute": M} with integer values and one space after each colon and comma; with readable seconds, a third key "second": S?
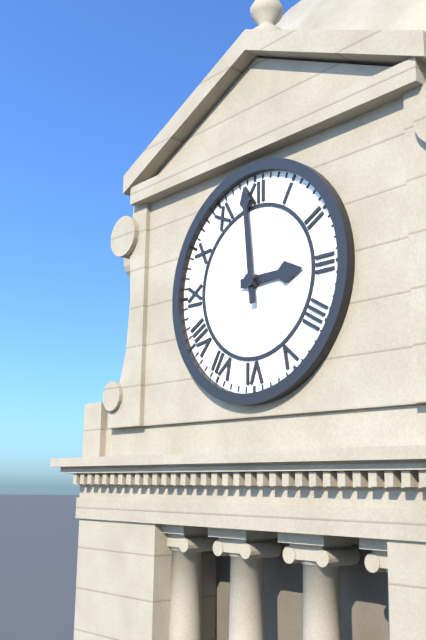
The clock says {"hour": 2, "minute": 59}
